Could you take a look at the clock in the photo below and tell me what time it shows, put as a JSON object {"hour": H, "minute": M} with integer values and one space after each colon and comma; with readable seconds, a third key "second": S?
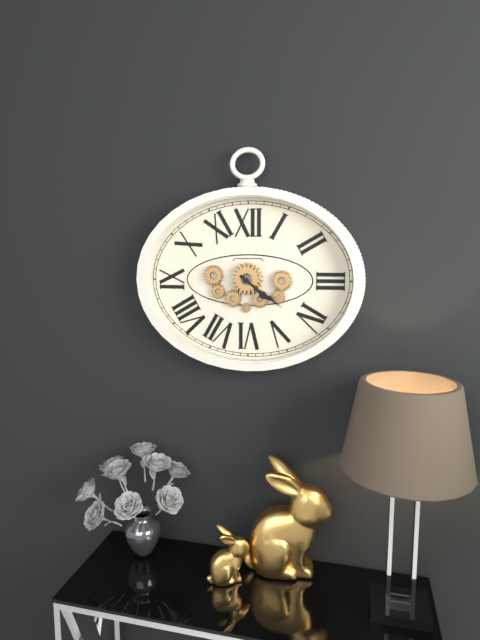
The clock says {"hour": 4, "minute": 21}
